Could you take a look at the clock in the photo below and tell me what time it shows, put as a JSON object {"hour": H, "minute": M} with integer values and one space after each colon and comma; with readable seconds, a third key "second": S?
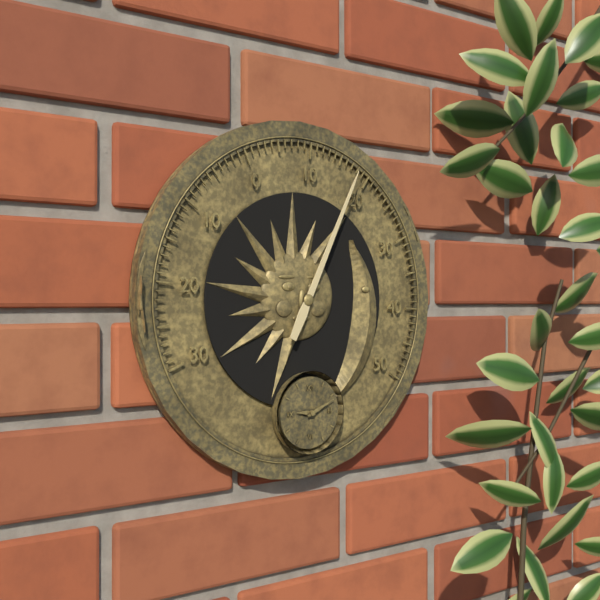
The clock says {"hour": 9, "minute": 11}
